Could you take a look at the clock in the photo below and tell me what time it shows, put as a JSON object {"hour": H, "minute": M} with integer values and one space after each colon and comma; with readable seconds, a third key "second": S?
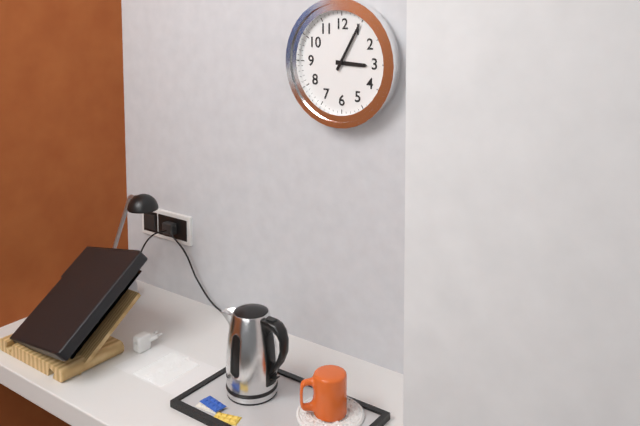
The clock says {"hour": 3, "minute": 5}
